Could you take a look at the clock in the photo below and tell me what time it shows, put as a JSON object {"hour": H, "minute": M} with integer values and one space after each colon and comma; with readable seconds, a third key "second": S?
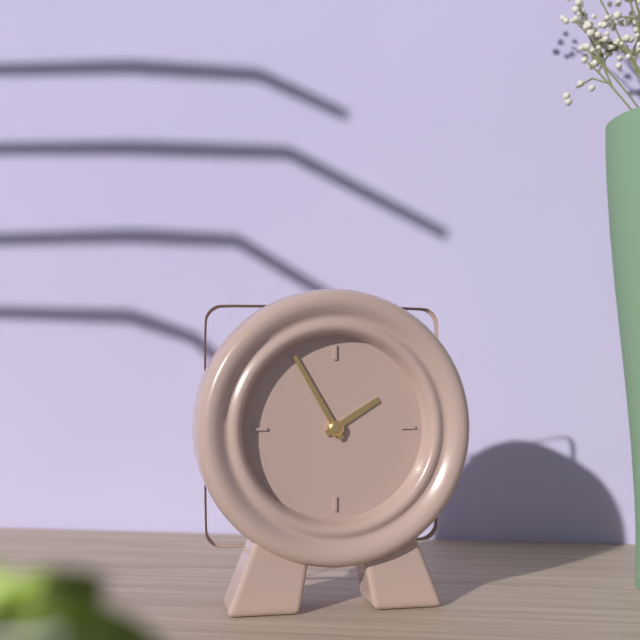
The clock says {"hour": 1, "minute": 55}
